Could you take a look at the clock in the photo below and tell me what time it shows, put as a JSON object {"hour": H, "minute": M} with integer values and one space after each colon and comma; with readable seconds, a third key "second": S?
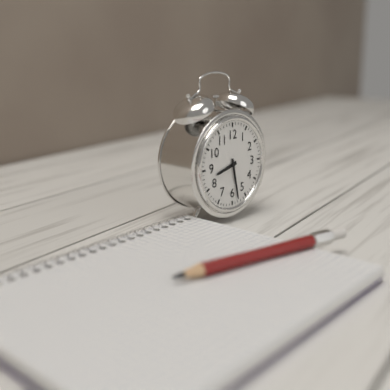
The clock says {"hour": 8, "minute": 28}
